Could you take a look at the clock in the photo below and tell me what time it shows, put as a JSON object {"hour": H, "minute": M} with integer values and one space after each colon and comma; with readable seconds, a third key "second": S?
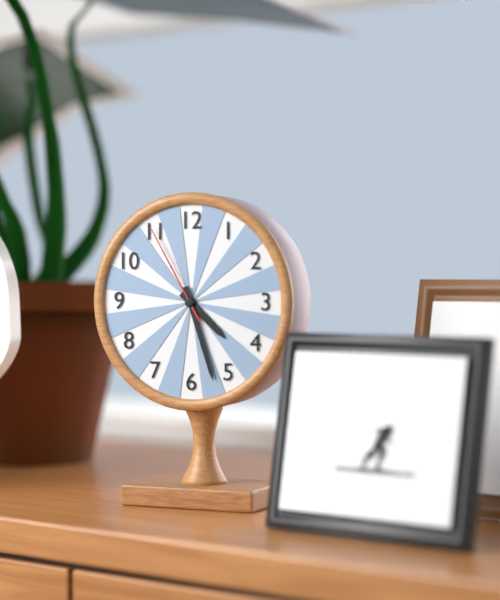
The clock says {"hour": 4, "minute": 27, "second": 55}
